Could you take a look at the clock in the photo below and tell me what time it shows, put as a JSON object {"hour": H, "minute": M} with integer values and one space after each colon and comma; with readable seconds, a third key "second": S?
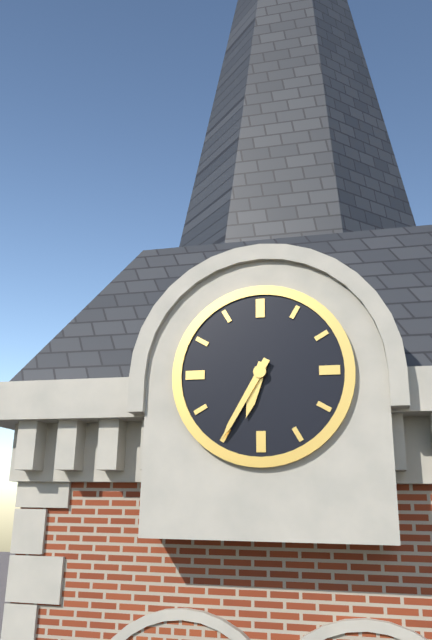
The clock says {"hour": 6, "minute": 35}
